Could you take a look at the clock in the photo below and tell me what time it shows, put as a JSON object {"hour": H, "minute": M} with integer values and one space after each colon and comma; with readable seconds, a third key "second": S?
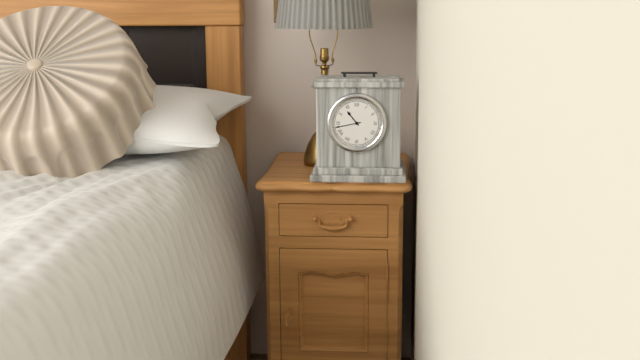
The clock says {"hour": 10, "minute": 43}
